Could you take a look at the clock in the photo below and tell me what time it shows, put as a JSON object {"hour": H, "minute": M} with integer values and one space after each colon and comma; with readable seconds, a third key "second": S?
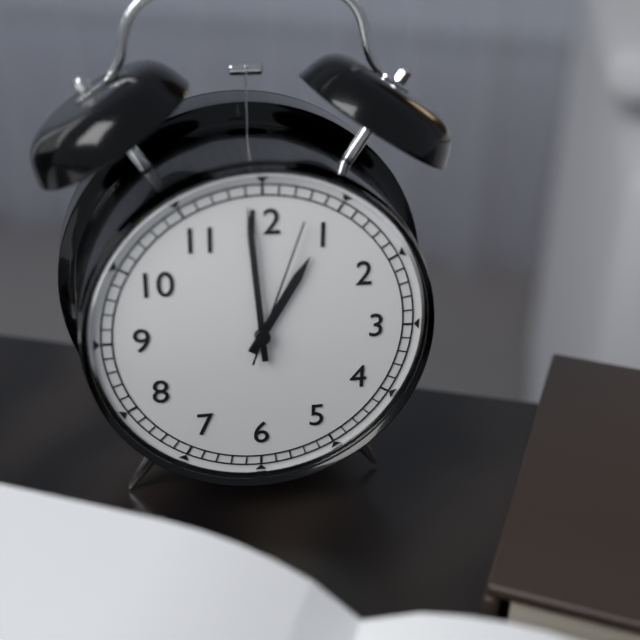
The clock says {"hour": 12, "minute": 59, "second": 3}
